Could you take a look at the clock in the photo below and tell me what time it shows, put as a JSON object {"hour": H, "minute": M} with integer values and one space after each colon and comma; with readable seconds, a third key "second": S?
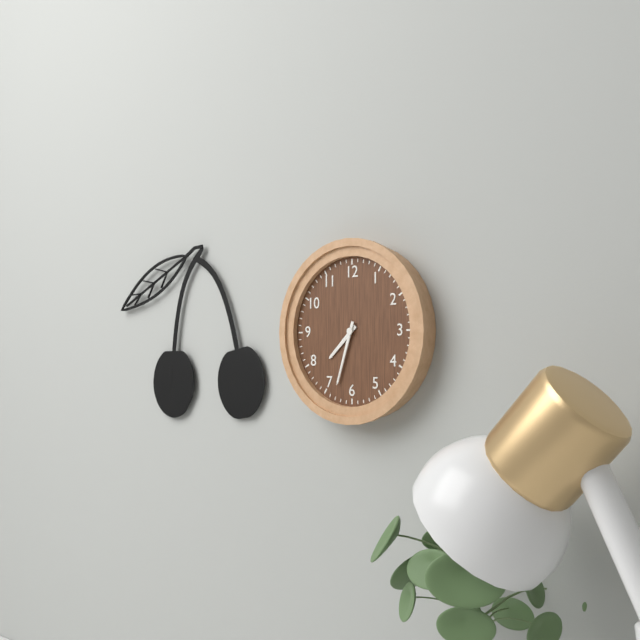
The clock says {"hour": 7, "minute": 33}
